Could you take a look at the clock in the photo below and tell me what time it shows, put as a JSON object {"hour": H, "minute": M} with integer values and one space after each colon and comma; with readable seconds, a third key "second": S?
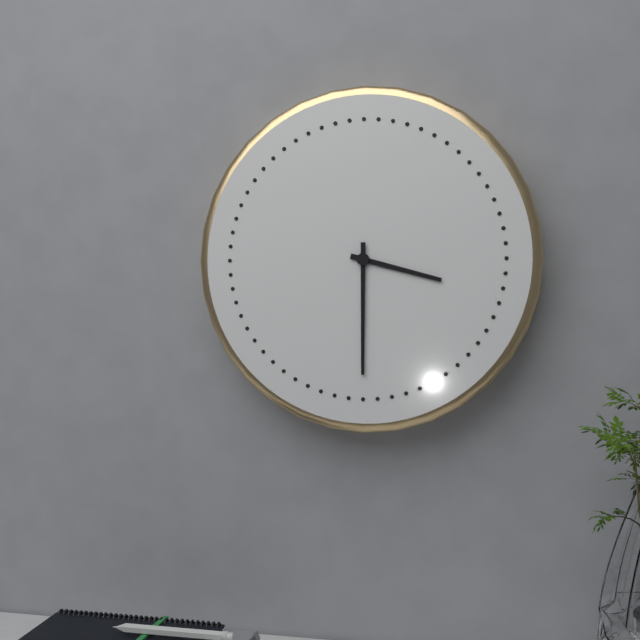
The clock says {"hour": 3, "minute": 30}
